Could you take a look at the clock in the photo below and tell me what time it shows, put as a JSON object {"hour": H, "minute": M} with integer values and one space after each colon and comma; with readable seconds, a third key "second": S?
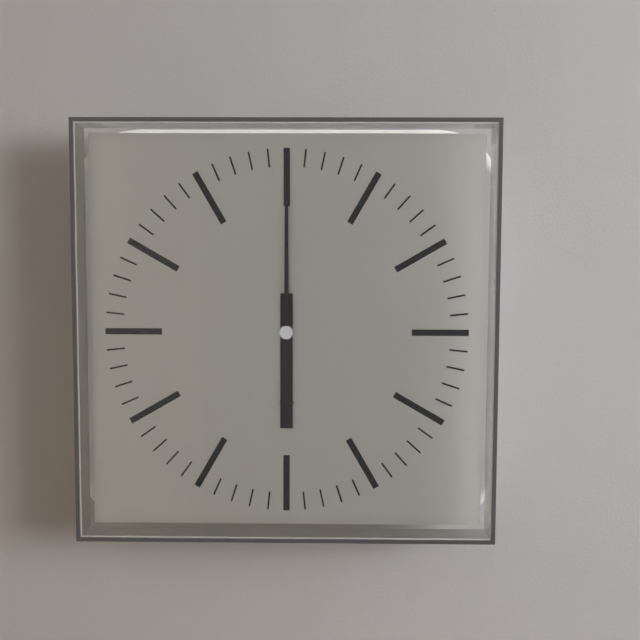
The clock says {"hour": 6, "minute": 0}
